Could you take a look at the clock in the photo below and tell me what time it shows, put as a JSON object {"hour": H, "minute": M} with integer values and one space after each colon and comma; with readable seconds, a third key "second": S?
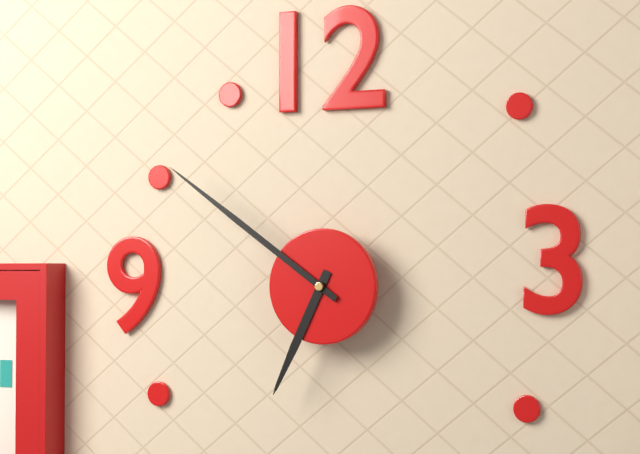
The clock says {"hour": 6, "minute": 51}
